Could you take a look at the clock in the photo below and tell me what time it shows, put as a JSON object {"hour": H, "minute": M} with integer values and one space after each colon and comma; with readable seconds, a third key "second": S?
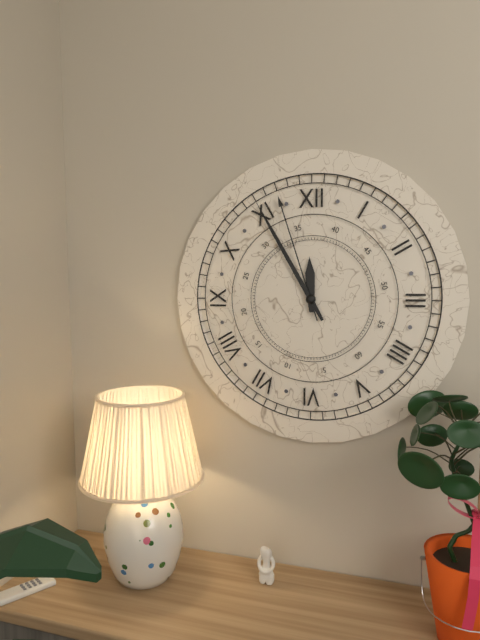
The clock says {"hour": 11, "minute": 55, "second": 57}
